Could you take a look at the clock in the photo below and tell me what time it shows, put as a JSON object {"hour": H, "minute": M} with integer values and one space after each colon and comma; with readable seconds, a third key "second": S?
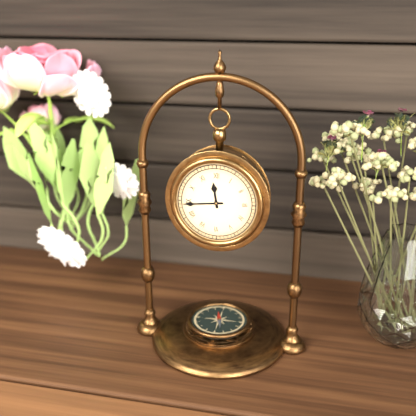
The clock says {"hour": 11, "minute": 44}
